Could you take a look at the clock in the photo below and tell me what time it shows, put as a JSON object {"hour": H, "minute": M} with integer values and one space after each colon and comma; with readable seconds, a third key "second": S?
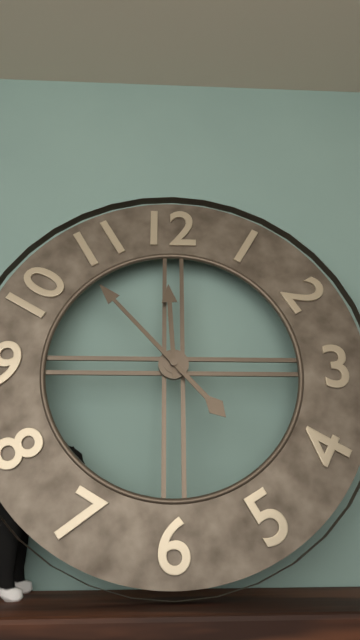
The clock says {"hour": 11, "minute": 53}
